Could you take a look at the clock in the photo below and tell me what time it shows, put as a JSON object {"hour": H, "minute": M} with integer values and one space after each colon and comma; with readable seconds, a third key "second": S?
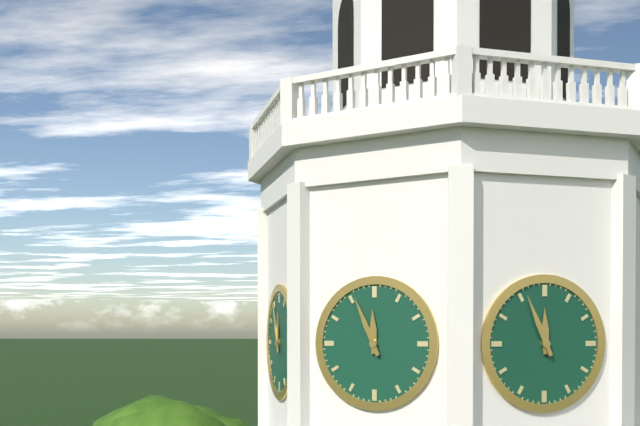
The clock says {"hour": 11, "minute": 56}
